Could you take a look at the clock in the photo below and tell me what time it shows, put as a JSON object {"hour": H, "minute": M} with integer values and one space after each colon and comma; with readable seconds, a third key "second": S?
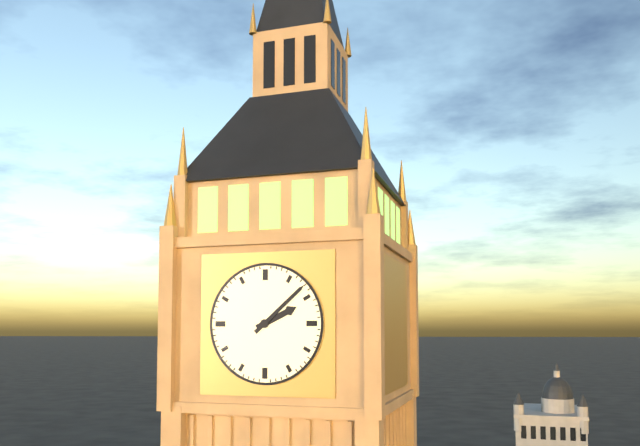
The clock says {"hour": 2, "minute": 8}
